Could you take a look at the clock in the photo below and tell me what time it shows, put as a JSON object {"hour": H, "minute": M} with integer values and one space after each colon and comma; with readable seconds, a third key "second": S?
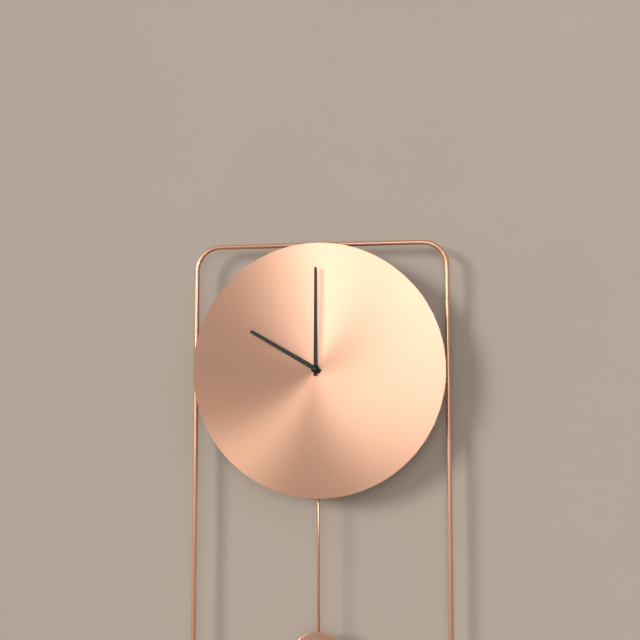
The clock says {"hour": 10, "minute": 0}
